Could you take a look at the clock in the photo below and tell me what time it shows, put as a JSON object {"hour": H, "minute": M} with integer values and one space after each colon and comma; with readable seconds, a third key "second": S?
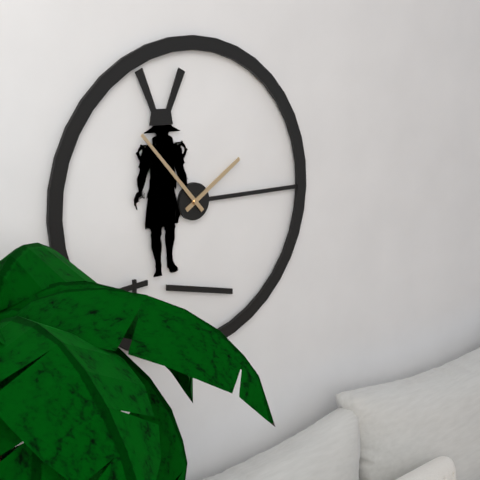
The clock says {"hour": 1, "minute": 53}
